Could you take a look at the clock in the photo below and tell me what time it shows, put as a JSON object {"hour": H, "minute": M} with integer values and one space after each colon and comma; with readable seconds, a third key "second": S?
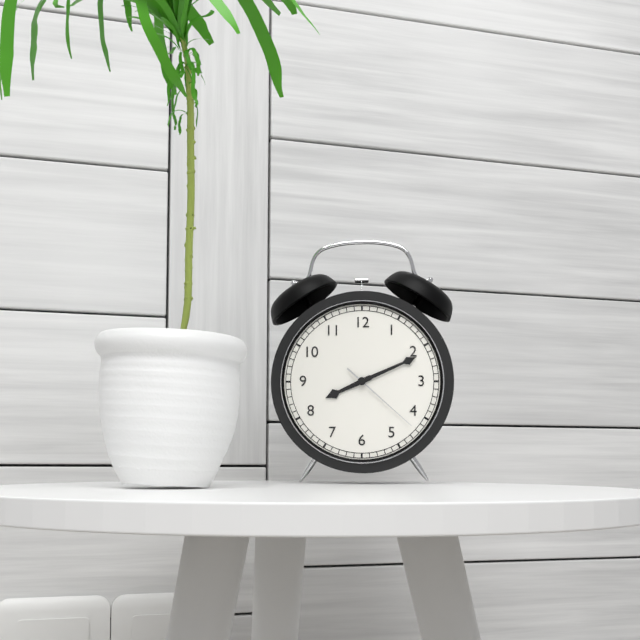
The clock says {"hour": 8, "minute": 11, "second": 22}
